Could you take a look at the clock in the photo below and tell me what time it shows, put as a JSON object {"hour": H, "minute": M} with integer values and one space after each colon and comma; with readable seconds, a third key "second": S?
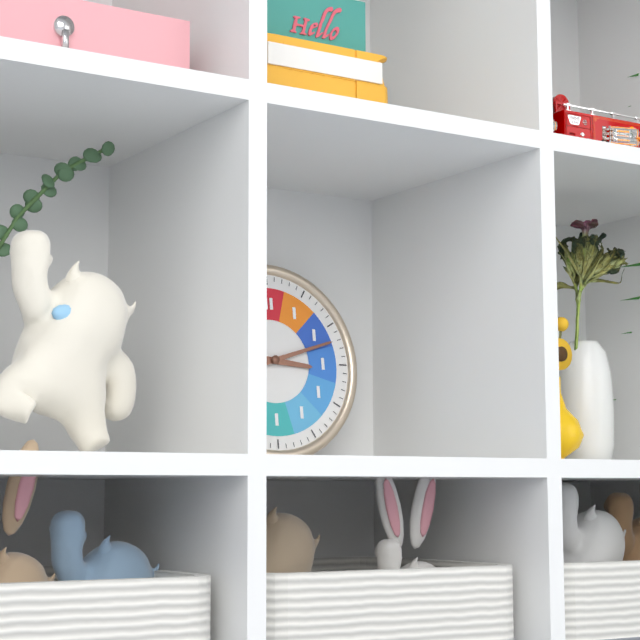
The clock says {"hour": 3, "minute": 12}
